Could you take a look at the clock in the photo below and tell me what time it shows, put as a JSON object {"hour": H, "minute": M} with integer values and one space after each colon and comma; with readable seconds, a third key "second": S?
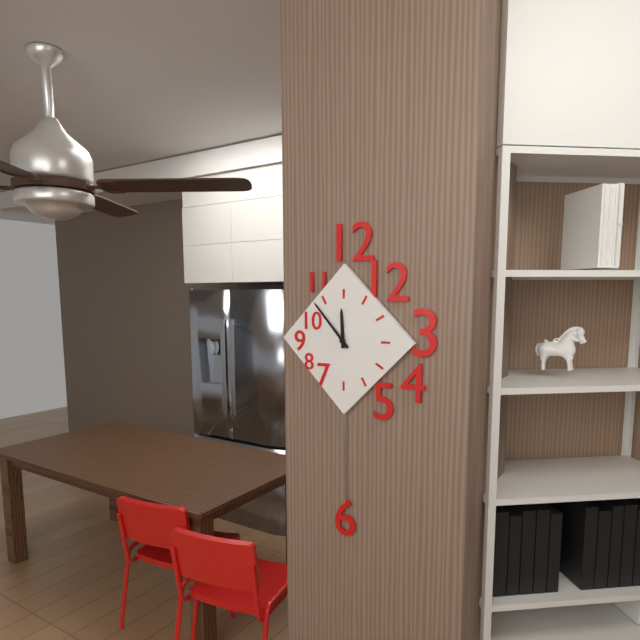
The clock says {"hour": 11, "minute": 53}
